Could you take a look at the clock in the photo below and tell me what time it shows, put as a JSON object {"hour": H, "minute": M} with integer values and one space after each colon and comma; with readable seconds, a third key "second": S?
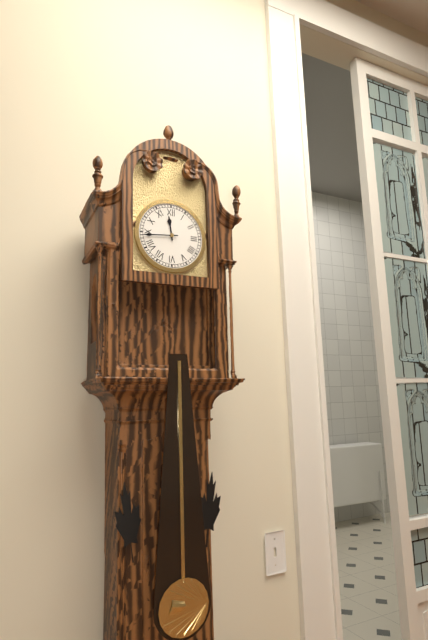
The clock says {"hour": 11, "minute": 44}
